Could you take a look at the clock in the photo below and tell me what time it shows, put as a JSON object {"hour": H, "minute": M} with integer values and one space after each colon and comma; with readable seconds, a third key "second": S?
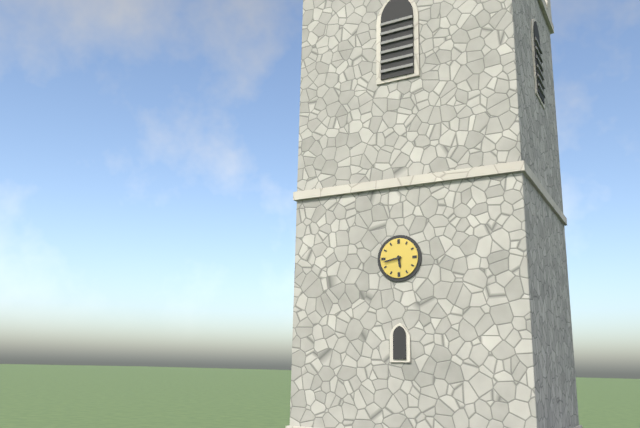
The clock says {"hour": 5, "minute": 43}
